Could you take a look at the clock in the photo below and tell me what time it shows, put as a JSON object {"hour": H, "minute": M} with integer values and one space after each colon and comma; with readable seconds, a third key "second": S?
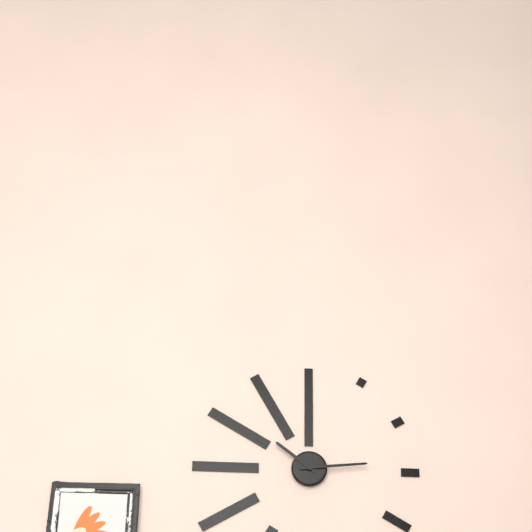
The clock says {"hour": 10, "minute": 14}
